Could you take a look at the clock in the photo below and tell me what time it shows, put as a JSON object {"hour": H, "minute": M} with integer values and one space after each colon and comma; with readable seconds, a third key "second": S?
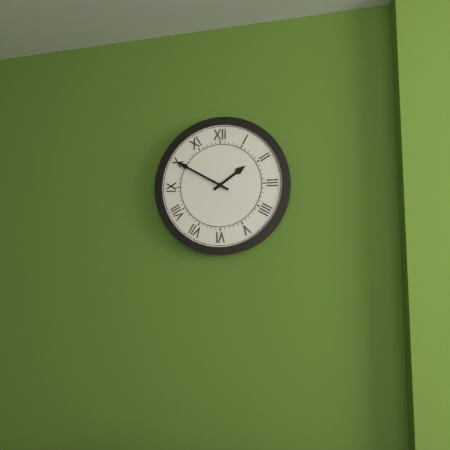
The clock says {"hour": 1, "minute": 50}
